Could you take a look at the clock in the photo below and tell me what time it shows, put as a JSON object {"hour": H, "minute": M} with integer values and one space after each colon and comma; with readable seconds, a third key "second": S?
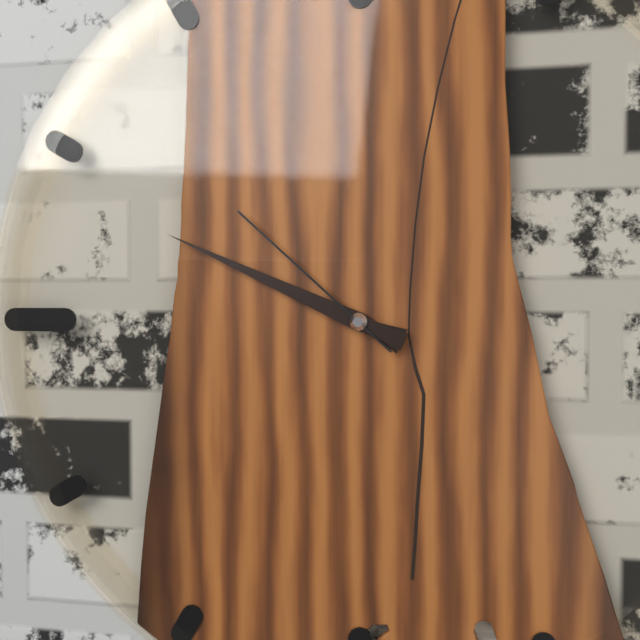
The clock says {"hour": 9, "minute": 49, "second": 52}
